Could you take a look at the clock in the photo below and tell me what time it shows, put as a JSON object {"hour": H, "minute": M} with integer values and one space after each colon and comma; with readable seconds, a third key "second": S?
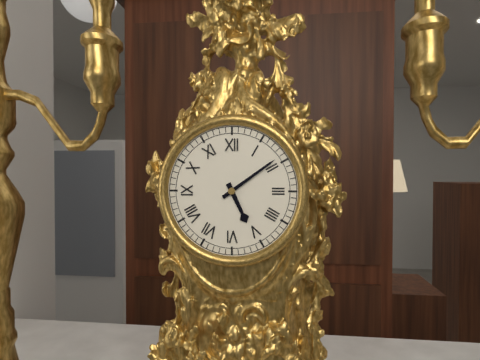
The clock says {"hour": 5, "minute": 9}
